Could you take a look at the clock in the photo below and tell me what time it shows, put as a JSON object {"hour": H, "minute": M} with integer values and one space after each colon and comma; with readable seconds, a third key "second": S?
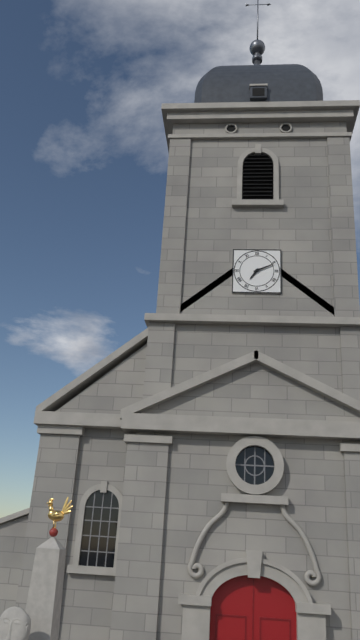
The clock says {"hour": 7, "minute": 11}
